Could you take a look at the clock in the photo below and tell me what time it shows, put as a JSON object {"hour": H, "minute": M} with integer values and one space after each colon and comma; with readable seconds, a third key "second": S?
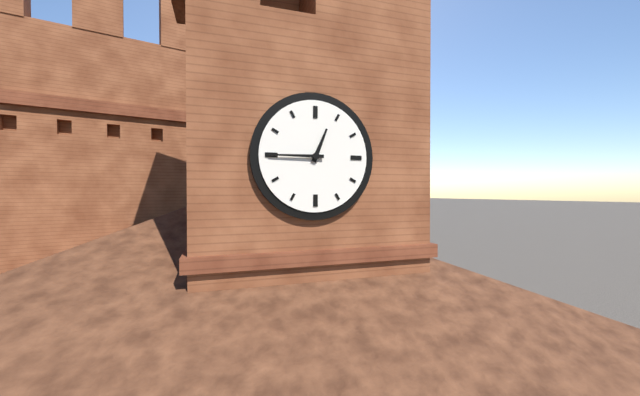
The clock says {"hour": 12, "minute": 45}
